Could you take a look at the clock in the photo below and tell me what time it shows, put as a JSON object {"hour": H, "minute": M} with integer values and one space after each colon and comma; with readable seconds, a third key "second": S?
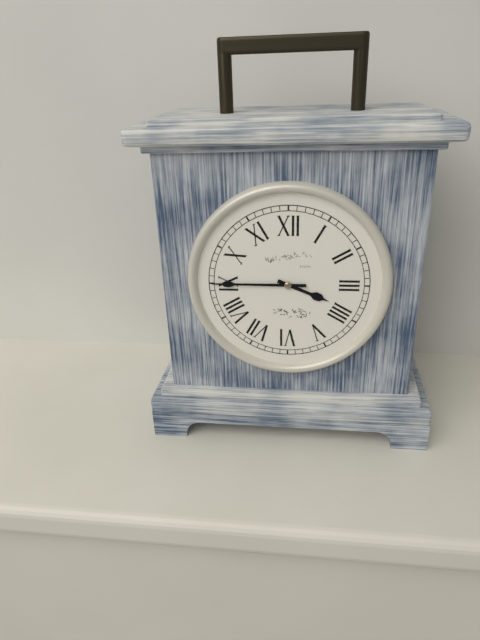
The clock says {"hour": 3, "minute": 45}
